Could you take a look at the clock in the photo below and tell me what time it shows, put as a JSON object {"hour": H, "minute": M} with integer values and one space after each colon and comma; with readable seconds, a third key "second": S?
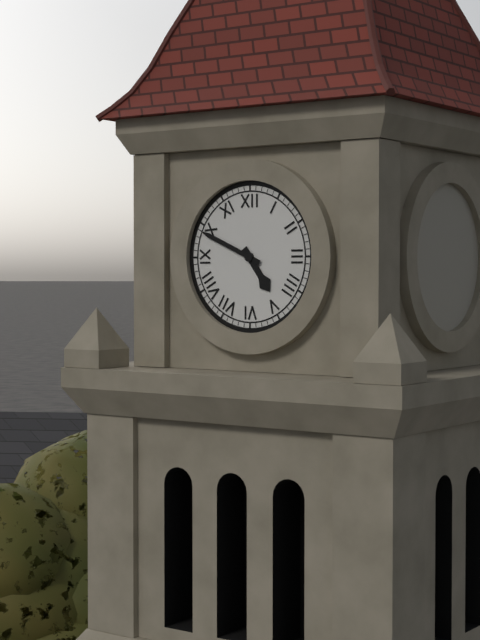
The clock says {"hour": 4, "minute": 49}
